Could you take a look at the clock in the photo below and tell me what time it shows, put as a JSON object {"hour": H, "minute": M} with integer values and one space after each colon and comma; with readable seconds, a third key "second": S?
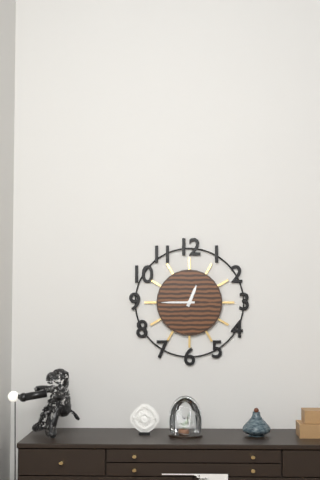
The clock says {"hour": 12, "minute": 45}
